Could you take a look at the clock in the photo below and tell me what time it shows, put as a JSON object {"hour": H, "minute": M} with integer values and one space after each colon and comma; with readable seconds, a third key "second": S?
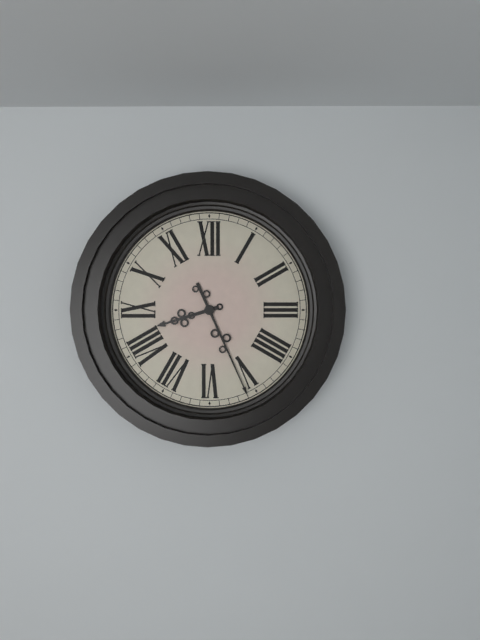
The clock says {"hour": 8, "minute": 26}
